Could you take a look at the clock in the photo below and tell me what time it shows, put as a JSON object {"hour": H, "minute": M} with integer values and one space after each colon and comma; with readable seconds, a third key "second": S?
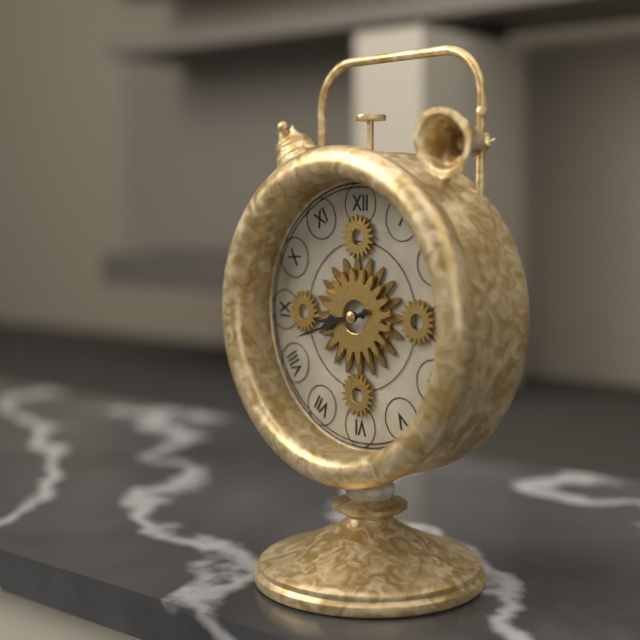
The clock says {"hour": 8, "minute": 42}
